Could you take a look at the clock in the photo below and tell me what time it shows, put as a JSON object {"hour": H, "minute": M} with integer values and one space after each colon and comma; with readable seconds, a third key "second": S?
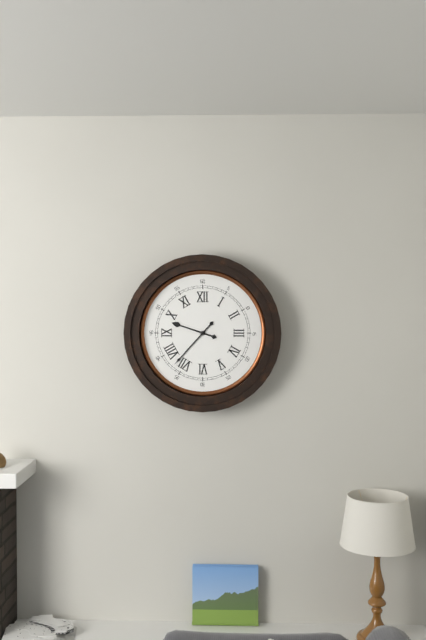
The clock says {"hour": 9, "minute": 37}
